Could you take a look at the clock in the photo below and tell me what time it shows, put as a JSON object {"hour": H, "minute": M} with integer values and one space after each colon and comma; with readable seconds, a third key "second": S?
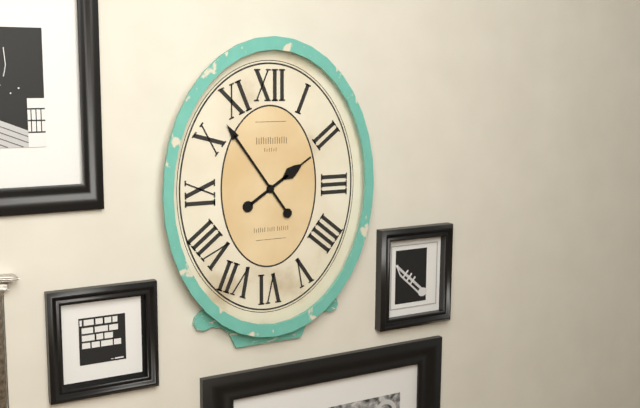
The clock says {"hour": 1, "minute": 54}
